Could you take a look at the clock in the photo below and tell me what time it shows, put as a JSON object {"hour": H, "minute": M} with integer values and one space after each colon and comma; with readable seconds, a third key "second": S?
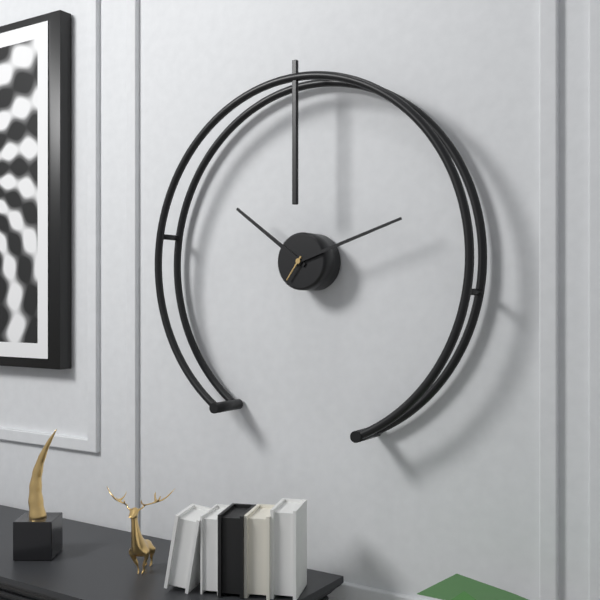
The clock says {"hour": 10, "minute": 12}
